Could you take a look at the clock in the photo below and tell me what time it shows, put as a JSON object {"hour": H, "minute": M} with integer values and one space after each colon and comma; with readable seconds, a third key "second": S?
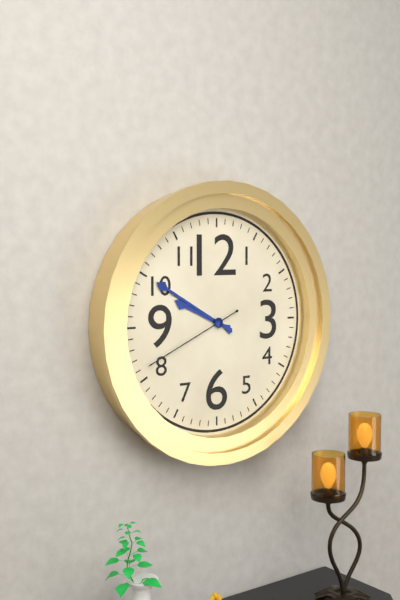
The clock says {"hour": 9, "minute": 50, "second": 41}
